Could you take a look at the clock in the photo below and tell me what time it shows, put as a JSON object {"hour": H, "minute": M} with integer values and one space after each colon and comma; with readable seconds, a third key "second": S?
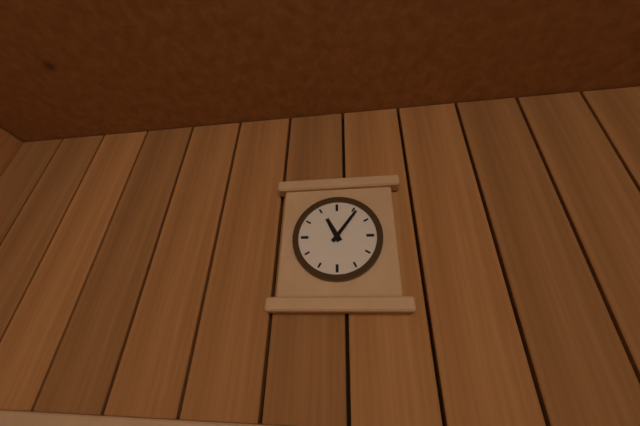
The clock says {"hour": 11, "minute": 6}
